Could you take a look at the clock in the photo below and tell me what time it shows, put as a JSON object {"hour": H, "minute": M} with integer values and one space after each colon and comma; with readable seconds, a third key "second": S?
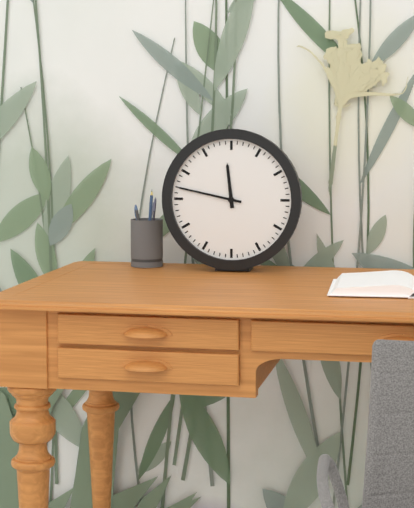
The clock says {"hour": 11, "minute": 47}
